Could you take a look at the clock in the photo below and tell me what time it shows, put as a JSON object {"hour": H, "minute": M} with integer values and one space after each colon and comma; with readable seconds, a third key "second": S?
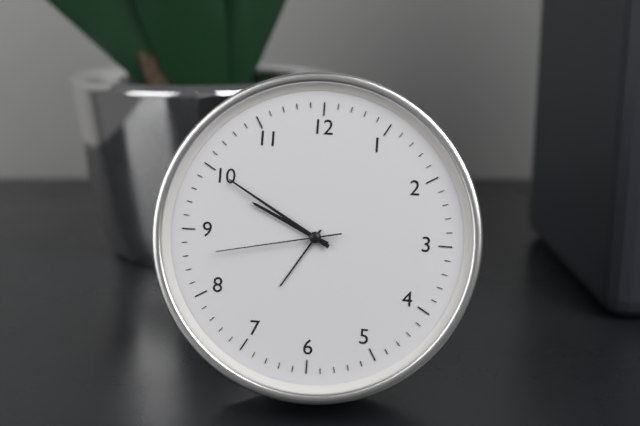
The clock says {"hour": 9, "minute": 50, "second": 43}
